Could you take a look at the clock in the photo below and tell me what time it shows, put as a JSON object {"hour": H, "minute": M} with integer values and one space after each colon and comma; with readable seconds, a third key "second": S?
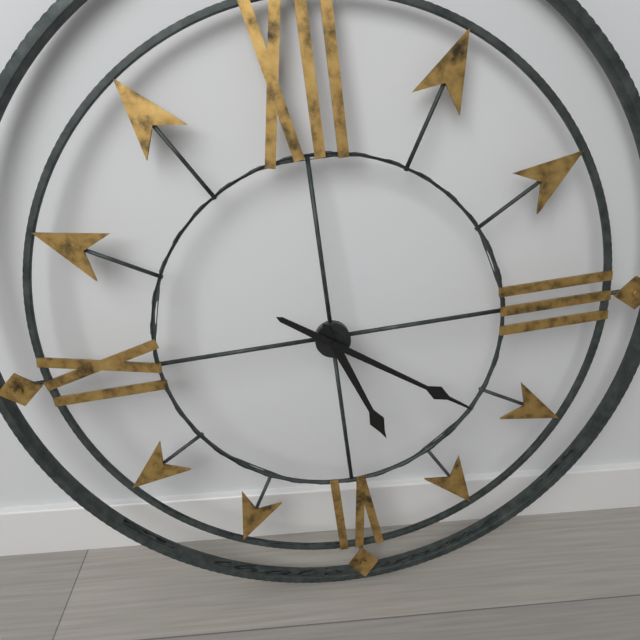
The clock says {"hour": 5, "minute": 21}
